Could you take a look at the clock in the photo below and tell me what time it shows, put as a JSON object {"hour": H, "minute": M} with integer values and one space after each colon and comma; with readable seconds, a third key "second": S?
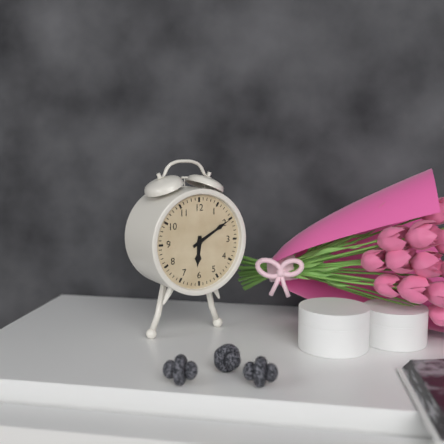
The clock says {"hour": 6, "minute": 10}
